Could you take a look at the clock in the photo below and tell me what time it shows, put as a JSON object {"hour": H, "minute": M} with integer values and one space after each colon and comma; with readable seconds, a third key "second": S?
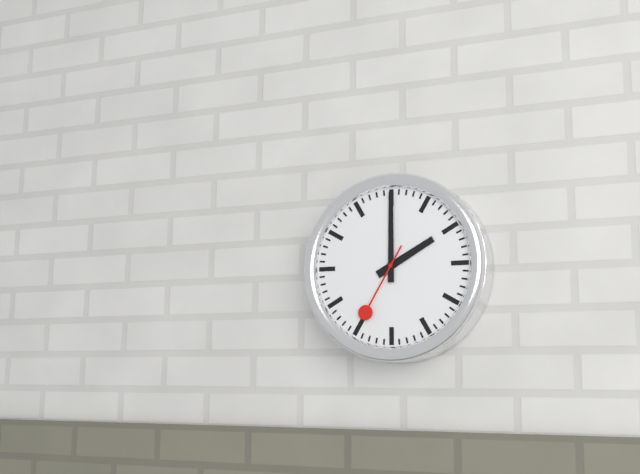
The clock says {"hour": 2, "minute": 0, "second": 35}
